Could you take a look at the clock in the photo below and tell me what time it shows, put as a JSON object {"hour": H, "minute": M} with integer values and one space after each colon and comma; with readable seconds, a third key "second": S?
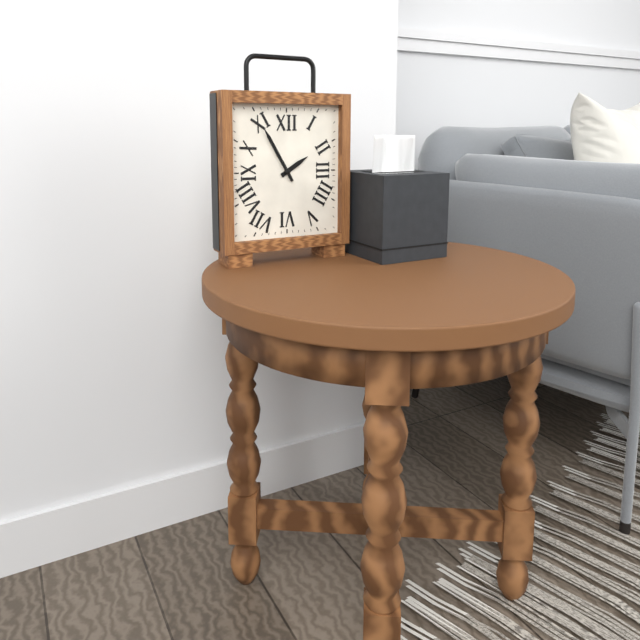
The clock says {"hour": 1, "minute": 55}
